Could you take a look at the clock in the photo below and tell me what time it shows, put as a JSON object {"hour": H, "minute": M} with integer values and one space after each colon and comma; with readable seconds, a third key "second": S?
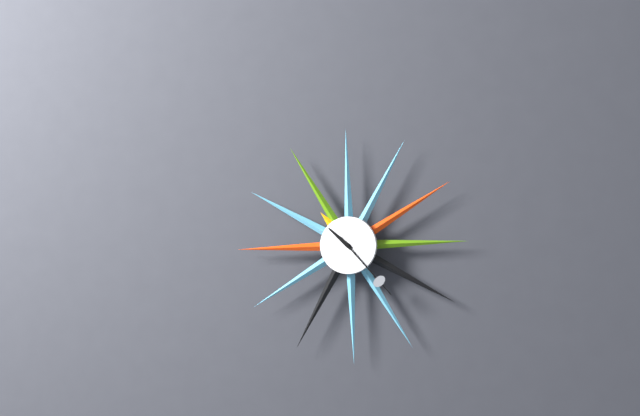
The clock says {"hour": 10, "minute": 23}
